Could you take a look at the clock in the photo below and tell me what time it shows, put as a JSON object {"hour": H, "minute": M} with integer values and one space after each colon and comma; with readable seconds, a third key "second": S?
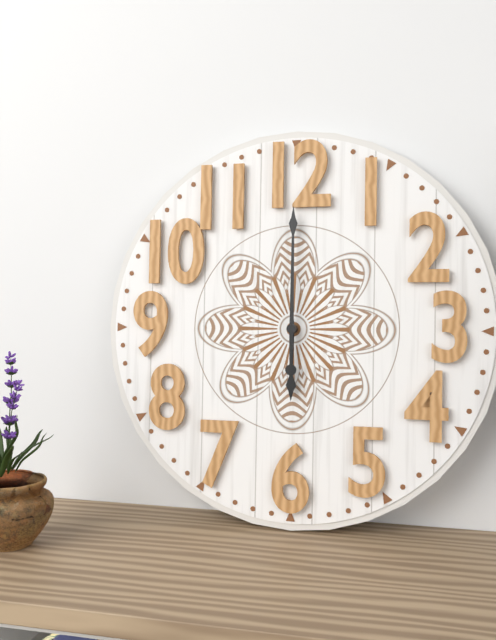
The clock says {"hour": 6, "minute": 0}
